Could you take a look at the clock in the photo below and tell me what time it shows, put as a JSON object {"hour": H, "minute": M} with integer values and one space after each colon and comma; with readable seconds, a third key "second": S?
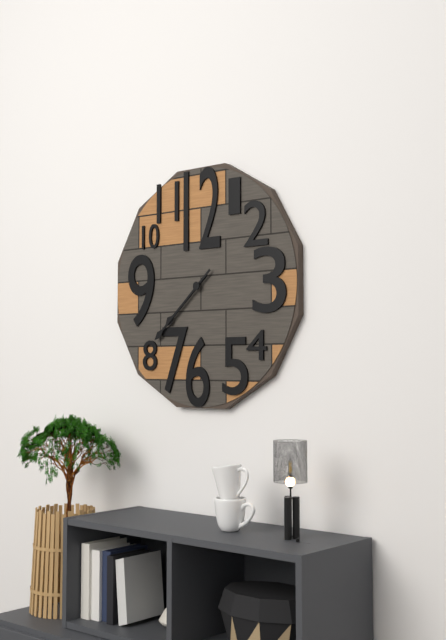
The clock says {"hour": 7, "minute": 38}
